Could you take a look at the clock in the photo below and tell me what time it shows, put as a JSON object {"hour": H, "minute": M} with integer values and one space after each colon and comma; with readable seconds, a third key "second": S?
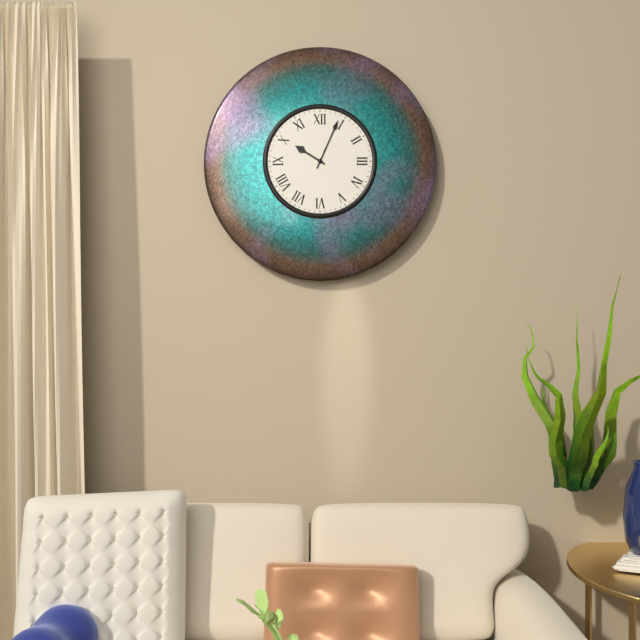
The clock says {"hour": 10, "minute": 4}
